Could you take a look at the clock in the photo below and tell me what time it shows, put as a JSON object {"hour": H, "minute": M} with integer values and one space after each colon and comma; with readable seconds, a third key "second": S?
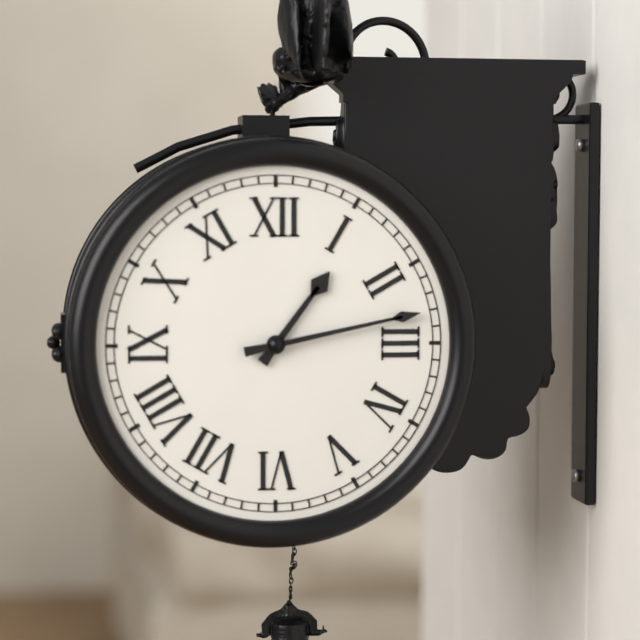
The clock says {"hour": 1, "minute": 13}
